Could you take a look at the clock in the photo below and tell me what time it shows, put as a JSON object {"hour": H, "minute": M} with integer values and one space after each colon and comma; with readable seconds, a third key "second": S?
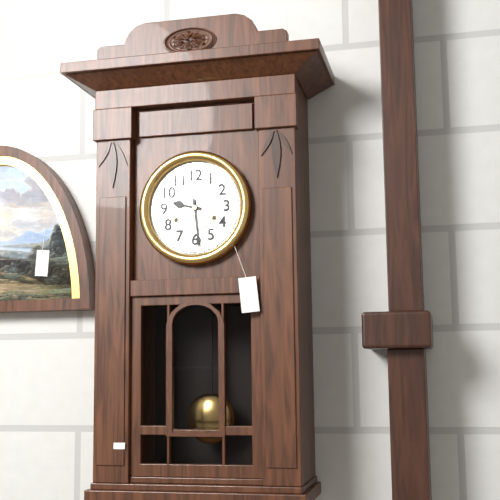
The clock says {"hour": 9, "minute": 29}
